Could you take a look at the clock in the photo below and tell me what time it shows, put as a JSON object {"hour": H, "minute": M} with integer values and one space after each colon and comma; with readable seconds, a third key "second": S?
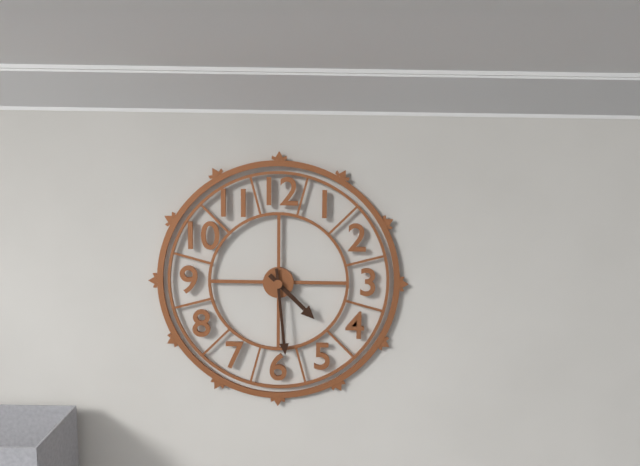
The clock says {"hour": 4, "minute": 29}
